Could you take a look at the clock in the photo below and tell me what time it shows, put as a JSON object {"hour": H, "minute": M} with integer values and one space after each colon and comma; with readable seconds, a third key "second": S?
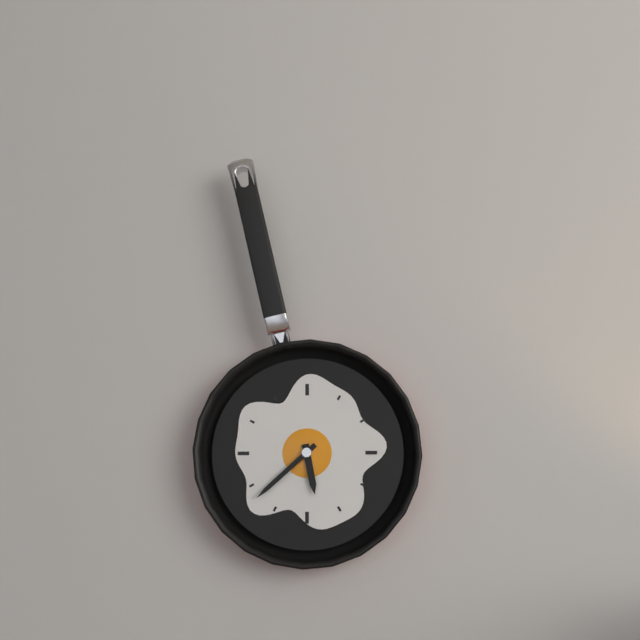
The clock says {"hour": 5, "minute": 38}
